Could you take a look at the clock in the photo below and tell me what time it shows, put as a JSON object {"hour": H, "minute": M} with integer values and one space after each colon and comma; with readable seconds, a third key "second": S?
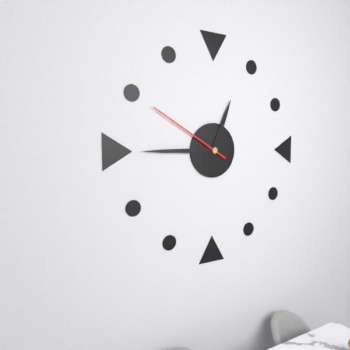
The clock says {"hour": 12, "minute": 45, "second": 50}
